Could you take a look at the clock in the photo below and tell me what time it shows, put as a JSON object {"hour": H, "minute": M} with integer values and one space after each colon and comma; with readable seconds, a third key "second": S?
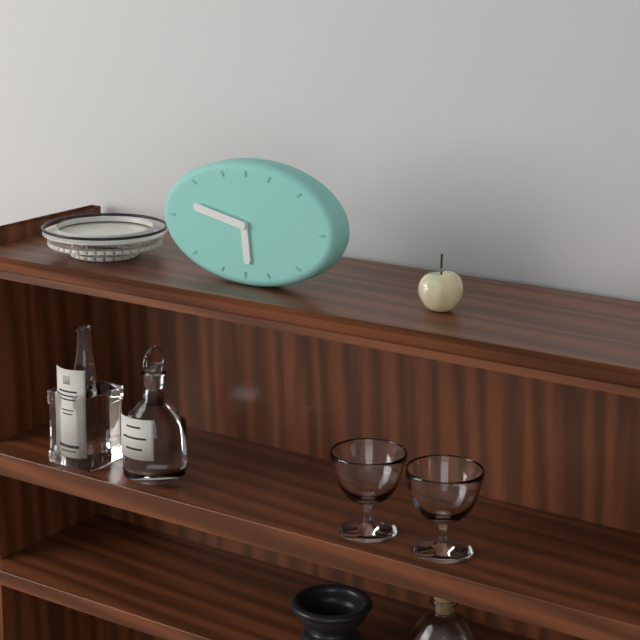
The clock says {"hour": 5, "minute": 47}
